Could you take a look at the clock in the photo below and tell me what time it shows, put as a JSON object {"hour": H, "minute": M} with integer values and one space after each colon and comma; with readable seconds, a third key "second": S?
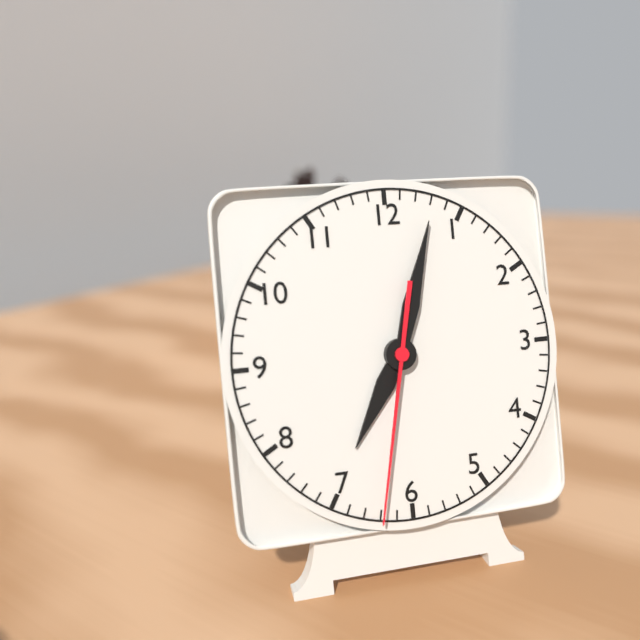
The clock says {"hour": 7, "minute": 3, "second": 32}
